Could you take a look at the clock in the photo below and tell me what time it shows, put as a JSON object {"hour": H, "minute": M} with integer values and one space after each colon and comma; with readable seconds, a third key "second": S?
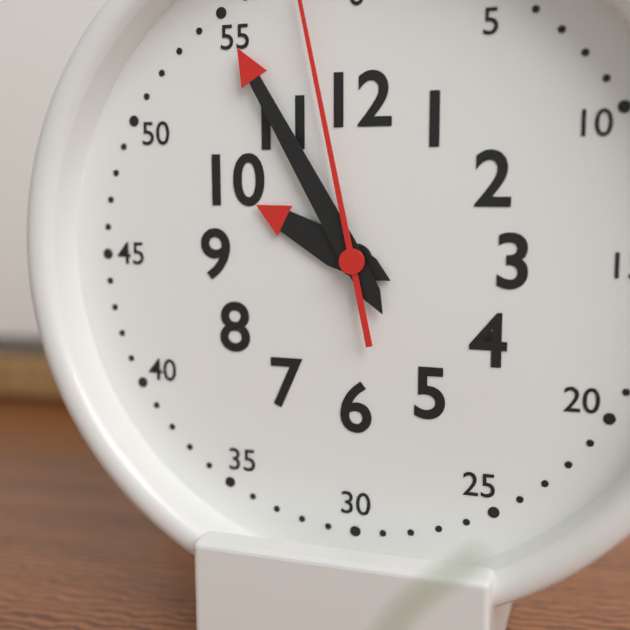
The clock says {"hour": 9, "minute": 55}
